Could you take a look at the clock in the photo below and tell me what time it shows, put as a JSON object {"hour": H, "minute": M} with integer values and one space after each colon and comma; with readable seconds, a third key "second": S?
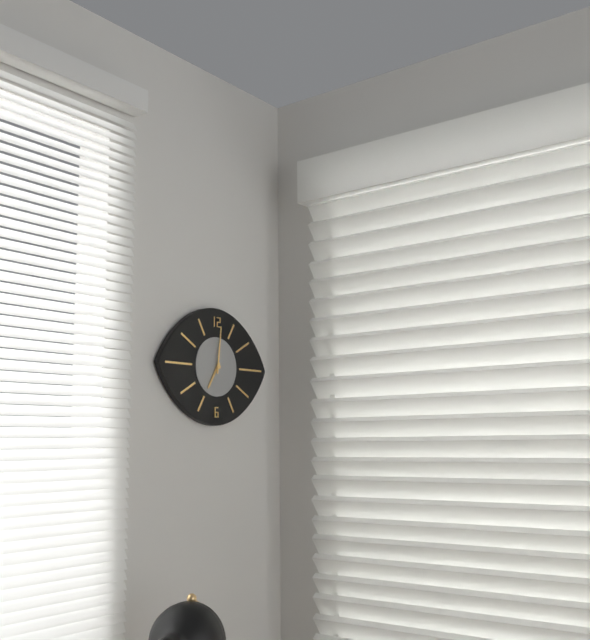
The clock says {"hour": 7, "minute": 1}
